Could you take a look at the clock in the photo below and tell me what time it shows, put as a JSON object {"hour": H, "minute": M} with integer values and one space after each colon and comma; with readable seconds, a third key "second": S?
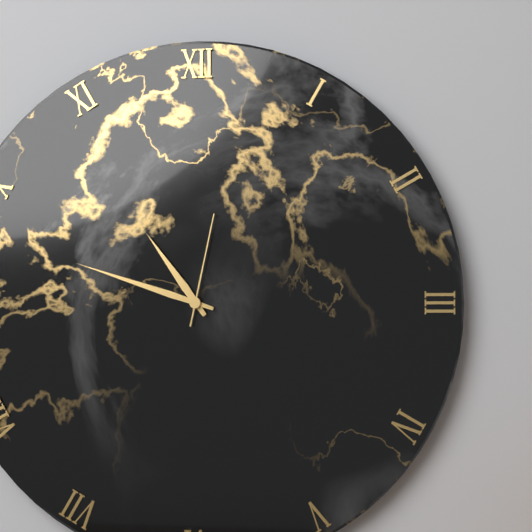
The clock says {"hour": 10, "minute": 48, "second": 2}
